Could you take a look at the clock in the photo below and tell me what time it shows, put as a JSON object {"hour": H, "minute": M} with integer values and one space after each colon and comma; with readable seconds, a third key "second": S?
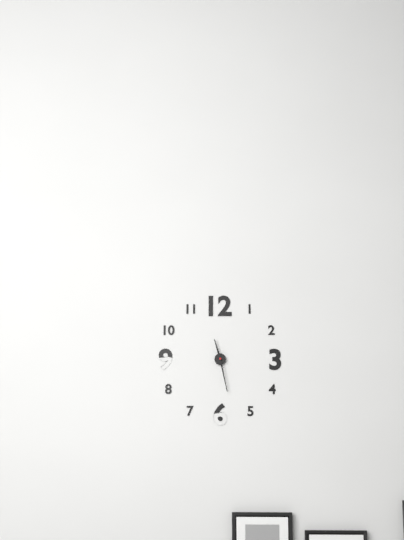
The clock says {"hour": 11, "minute": 28}
